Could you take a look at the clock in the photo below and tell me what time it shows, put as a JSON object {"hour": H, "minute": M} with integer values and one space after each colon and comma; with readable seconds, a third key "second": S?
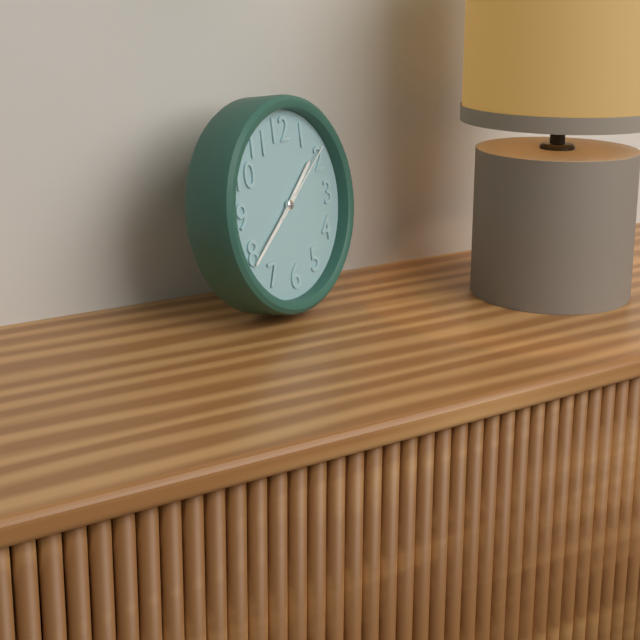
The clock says {"hour": 1, "minute": 39, "second": 9}
